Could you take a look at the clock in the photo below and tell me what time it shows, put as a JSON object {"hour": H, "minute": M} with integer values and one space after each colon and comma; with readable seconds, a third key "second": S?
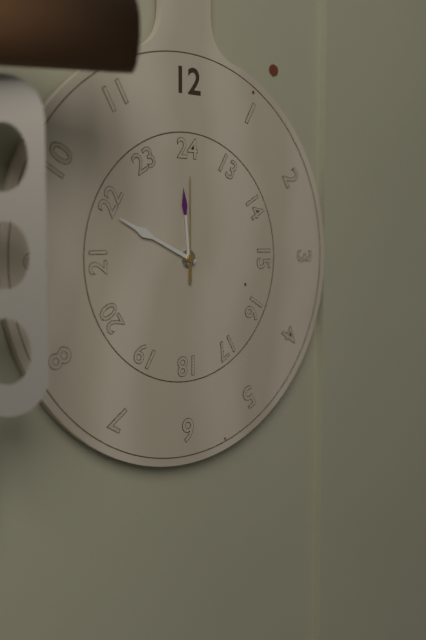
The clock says {"hour": 11, "minute": 49, "second": 0}
